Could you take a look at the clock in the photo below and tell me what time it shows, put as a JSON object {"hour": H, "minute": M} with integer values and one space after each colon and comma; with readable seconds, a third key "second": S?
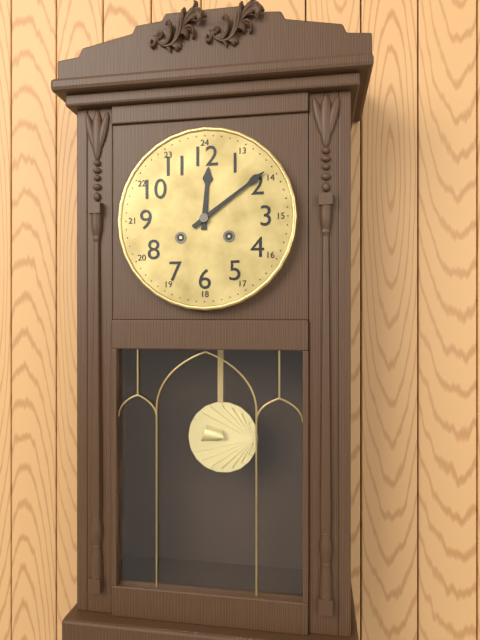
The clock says {"hour": 12, "minute": 9}
